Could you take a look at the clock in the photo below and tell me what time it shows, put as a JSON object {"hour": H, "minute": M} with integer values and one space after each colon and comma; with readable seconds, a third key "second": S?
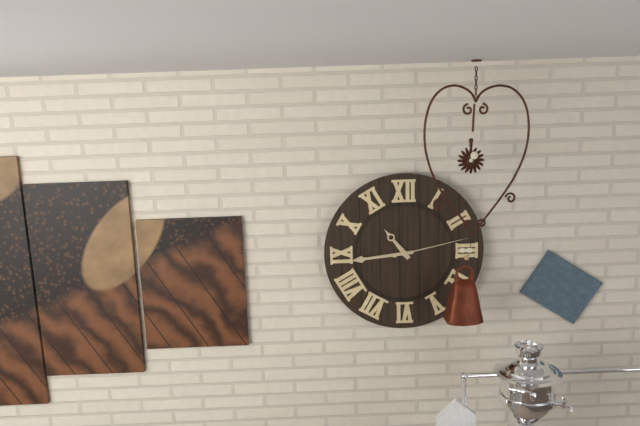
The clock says {"hour": 10, "minute": 44, "second": 13}
